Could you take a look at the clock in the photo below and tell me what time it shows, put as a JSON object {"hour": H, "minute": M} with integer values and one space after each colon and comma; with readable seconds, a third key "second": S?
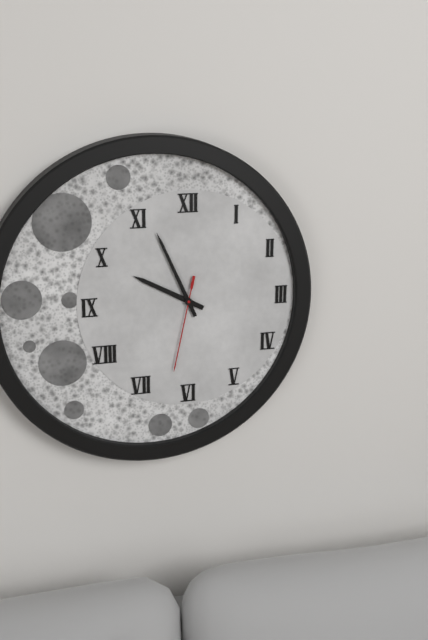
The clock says {"hour": 9, "minute": 56, "second": 32}
